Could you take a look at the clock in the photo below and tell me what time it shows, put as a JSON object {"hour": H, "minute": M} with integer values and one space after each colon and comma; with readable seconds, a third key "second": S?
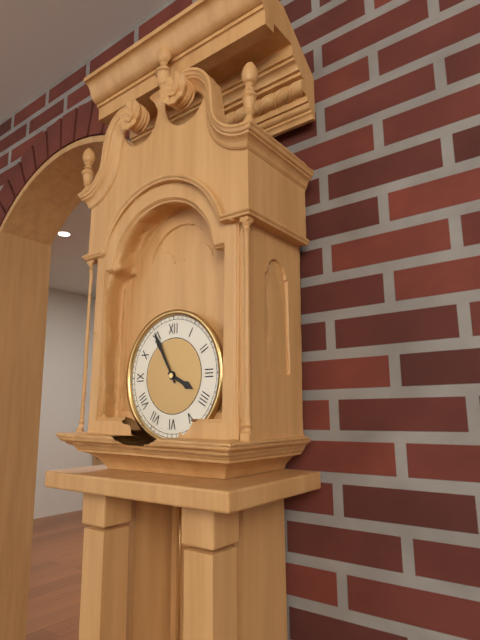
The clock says {"hour": 3, "minute": 55}
